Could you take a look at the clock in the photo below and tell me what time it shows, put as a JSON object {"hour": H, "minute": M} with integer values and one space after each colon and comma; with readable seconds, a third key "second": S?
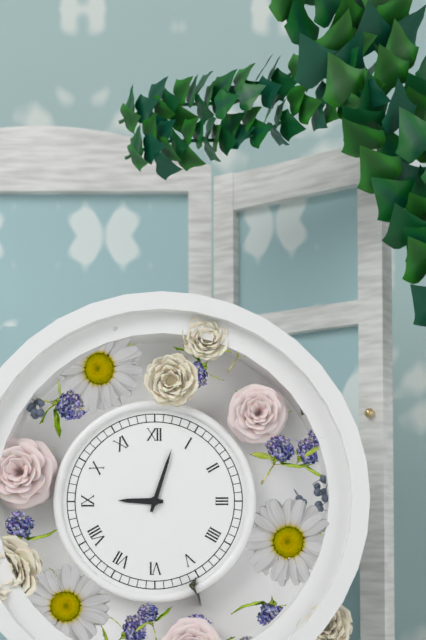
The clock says {"hour": 9, "minute": 3}
